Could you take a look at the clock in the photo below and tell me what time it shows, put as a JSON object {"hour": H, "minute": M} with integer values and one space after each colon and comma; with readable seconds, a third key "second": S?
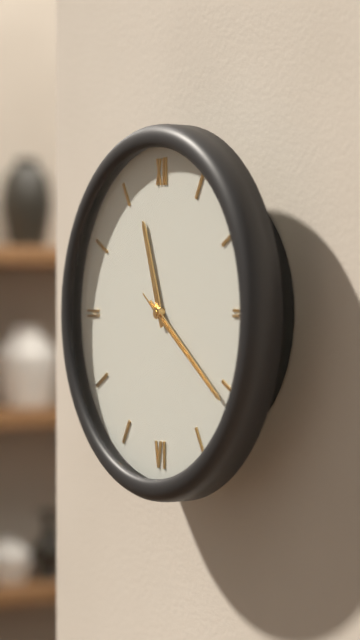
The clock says {"hour": 11, "minute": 21, "second": 21}
